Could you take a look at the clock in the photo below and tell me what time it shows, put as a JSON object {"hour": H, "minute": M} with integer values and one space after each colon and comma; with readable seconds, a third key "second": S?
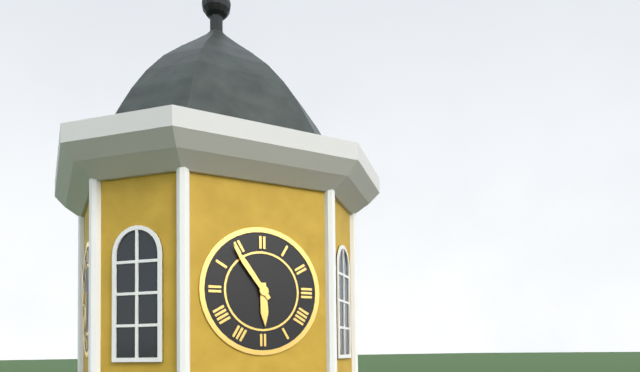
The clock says {"hour": 5, "minute": 54}
